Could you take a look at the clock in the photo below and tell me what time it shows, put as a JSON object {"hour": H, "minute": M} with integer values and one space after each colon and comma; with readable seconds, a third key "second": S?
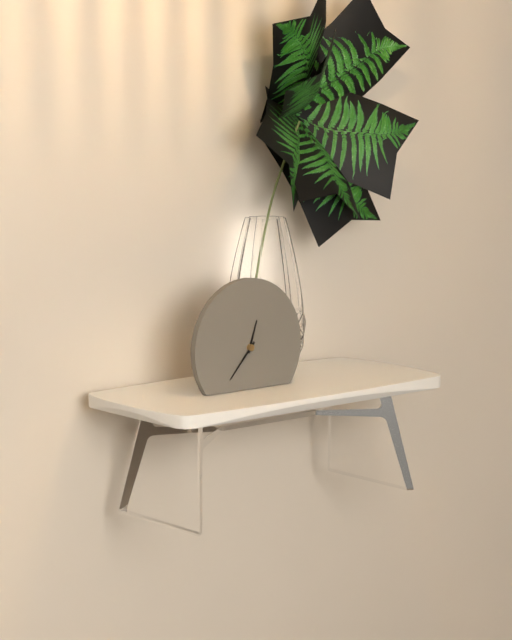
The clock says {"hour": 12, "minute": 37}
